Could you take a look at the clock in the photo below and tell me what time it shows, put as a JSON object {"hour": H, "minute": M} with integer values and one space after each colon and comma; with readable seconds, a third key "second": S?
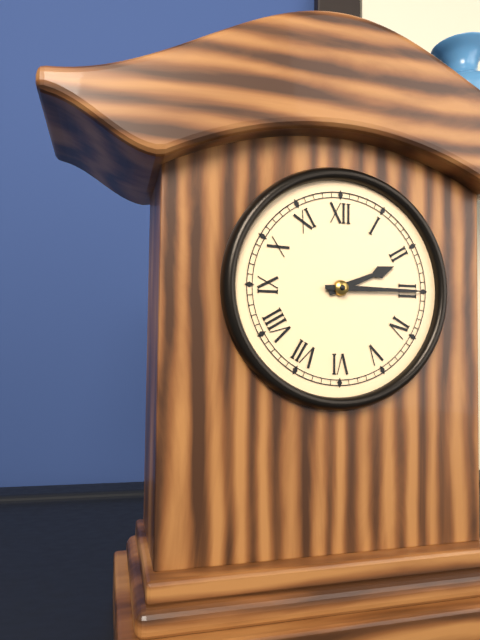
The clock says {"hour": 2, "minute": 15}
